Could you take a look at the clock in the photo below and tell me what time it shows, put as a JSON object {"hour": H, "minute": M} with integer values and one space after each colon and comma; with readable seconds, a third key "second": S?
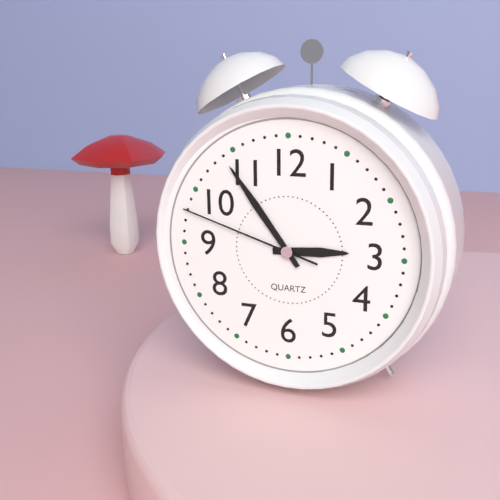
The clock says {"hour": 2, "minute": 54, "second": 48}
